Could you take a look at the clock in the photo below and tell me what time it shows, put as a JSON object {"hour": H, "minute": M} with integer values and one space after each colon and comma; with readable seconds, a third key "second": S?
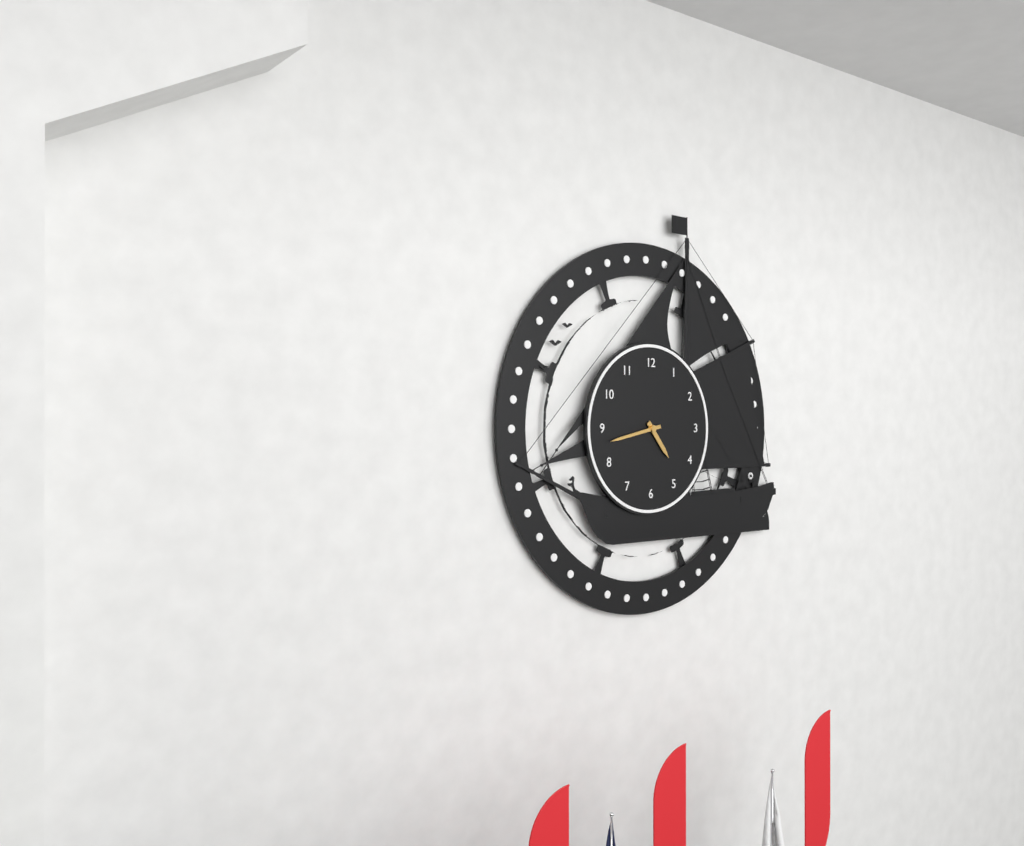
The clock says {"hour": 4, "minute": 43}
